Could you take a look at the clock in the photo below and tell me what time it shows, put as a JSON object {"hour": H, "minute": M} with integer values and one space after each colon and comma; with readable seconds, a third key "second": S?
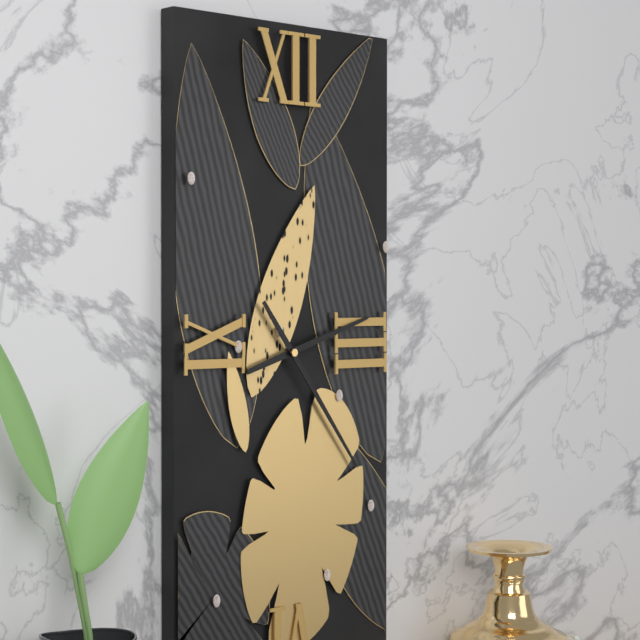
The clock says {"hour": 2, "minute": 24}
